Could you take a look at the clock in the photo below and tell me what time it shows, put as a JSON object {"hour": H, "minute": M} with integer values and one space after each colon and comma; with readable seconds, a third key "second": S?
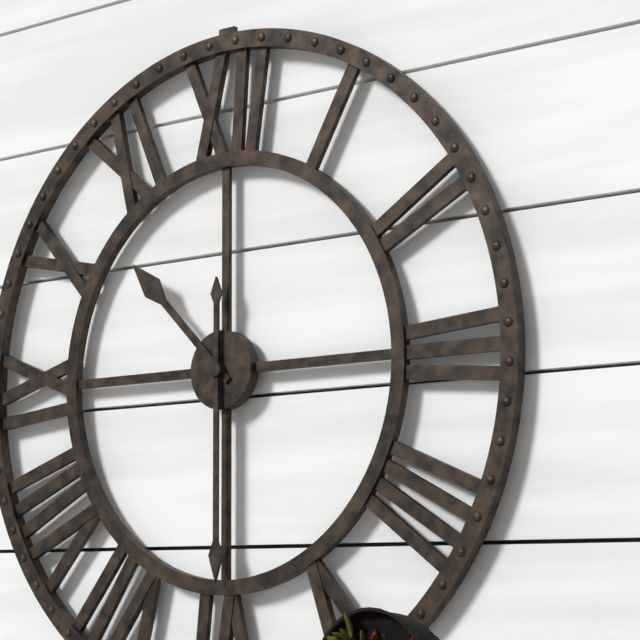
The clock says {"hour": 10, "minute": 30}
